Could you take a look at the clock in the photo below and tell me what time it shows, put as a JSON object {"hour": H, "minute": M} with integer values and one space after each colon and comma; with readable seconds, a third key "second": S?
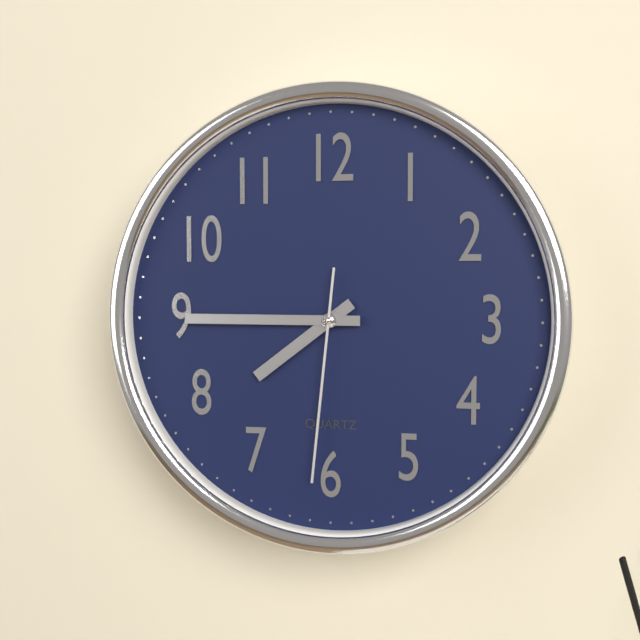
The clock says {"hour": 7, "minute": 45, "second": 31}
